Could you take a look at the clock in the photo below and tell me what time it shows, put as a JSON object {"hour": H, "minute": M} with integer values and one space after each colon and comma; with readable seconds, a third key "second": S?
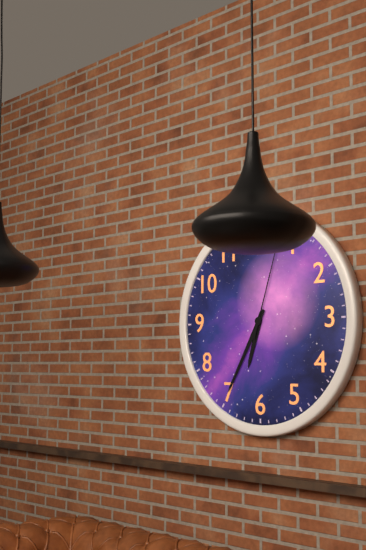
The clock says {"hour": 6, "minute": 35, "second": 3}
